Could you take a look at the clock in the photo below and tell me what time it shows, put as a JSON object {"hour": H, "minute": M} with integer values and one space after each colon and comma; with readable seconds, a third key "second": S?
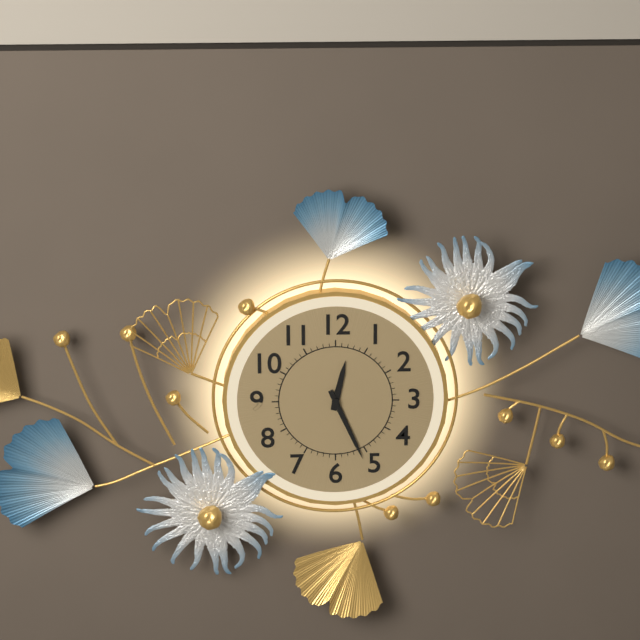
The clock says {"hour": 12, "minute": 26}
